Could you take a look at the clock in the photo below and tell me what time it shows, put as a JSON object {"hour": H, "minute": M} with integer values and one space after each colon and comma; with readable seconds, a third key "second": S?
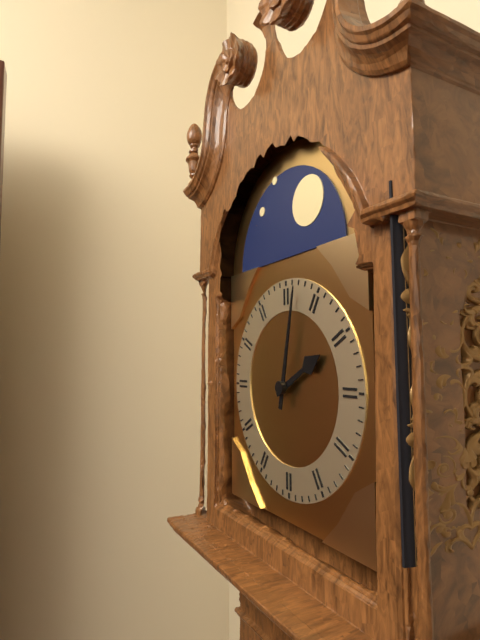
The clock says {"hour": 2, "minute": 2}
